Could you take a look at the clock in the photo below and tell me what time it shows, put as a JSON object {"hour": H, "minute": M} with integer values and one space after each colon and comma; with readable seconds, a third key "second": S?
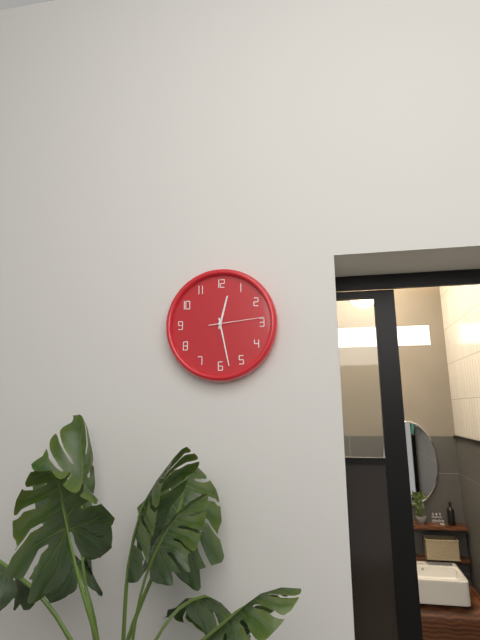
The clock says {"hour": 12, "minute": 28, "second": 14}
